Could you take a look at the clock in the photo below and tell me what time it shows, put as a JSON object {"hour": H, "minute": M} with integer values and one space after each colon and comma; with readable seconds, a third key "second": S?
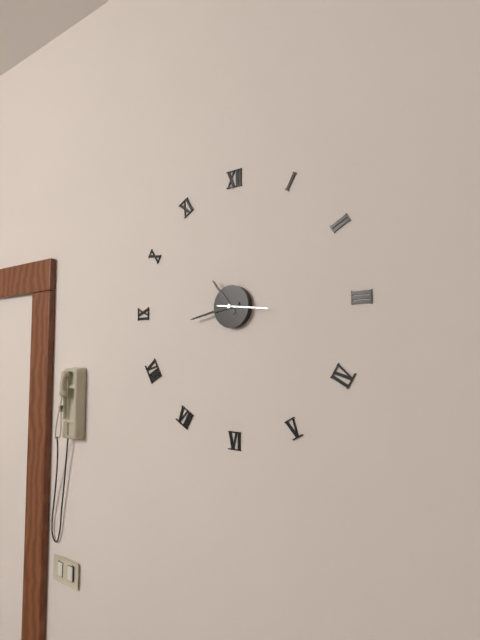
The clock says {"hour": 10, "minute": 43}
